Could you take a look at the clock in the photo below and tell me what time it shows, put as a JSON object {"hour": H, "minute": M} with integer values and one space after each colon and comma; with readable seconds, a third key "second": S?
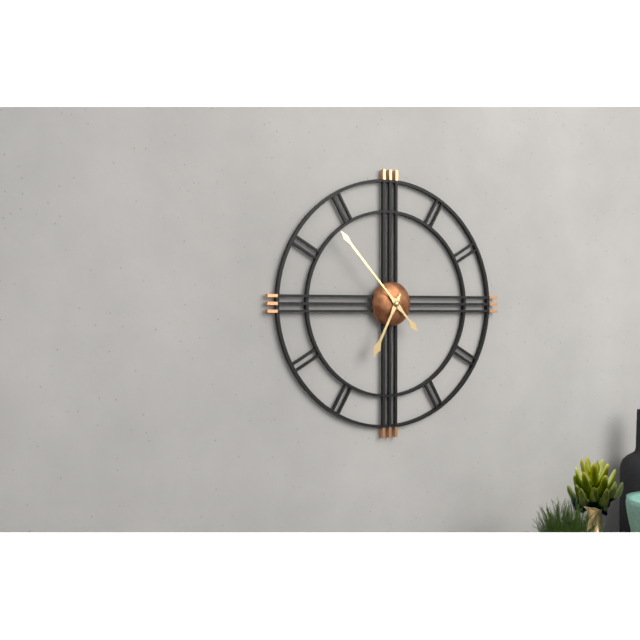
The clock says {"hour": 6, "minute": 53}
